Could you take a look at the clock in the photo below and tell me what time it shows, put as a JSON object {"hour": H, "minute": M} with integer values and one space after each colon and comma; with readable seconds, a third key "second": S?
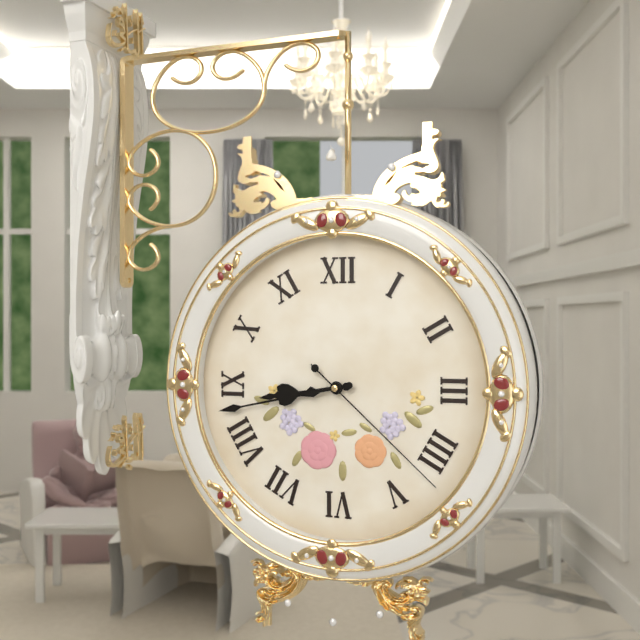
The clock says {"hour": 8, "minute": 43, "second": 22}
